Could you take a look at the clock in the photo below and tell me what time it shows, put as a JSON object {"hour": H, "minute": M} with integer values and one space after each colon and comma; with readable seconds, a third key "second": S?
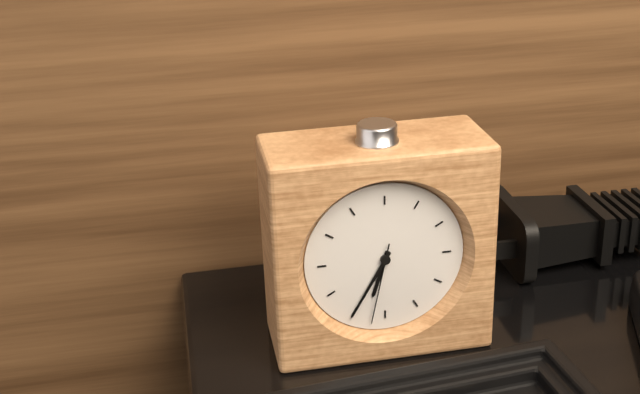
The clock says {"hour": 6, "minute": 35, "second": 32}
